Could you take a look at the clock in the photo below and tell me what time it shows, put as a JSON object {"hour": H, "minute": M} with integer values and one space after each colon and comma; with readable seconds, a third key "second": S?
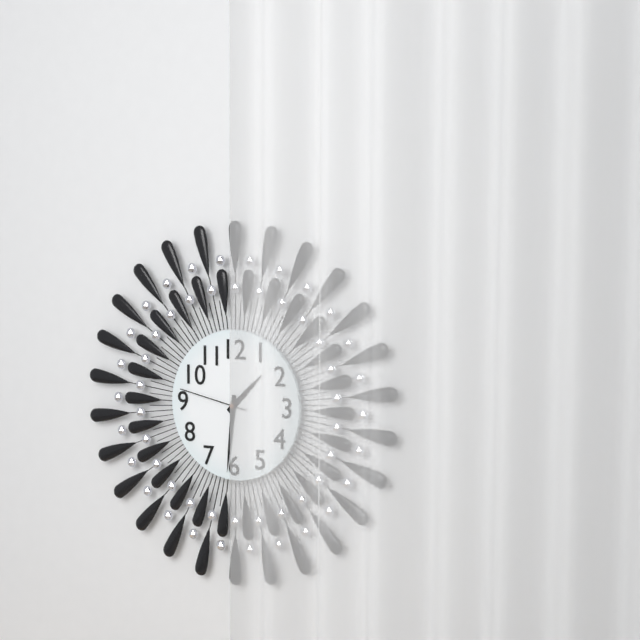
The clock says {"hour": 1, "minute": 31, "second": 47}
